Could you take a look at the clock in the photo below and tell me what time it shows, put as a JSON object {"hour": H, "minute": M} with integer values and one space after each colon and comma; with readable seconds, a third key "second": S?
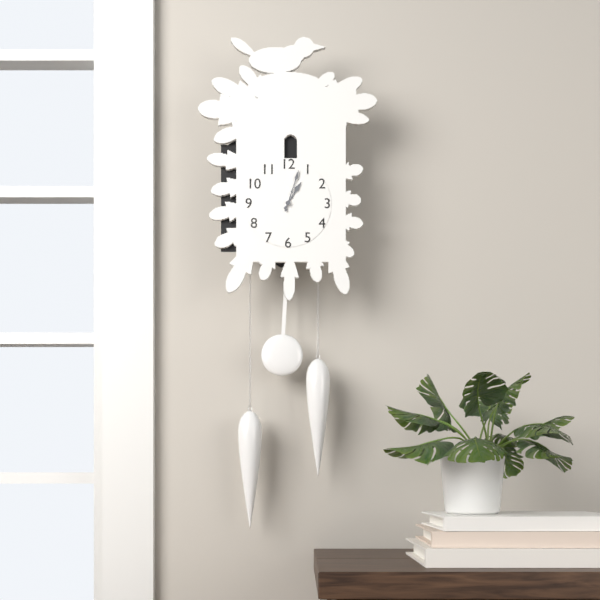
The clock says {"hour": 1, "minute": 3}
